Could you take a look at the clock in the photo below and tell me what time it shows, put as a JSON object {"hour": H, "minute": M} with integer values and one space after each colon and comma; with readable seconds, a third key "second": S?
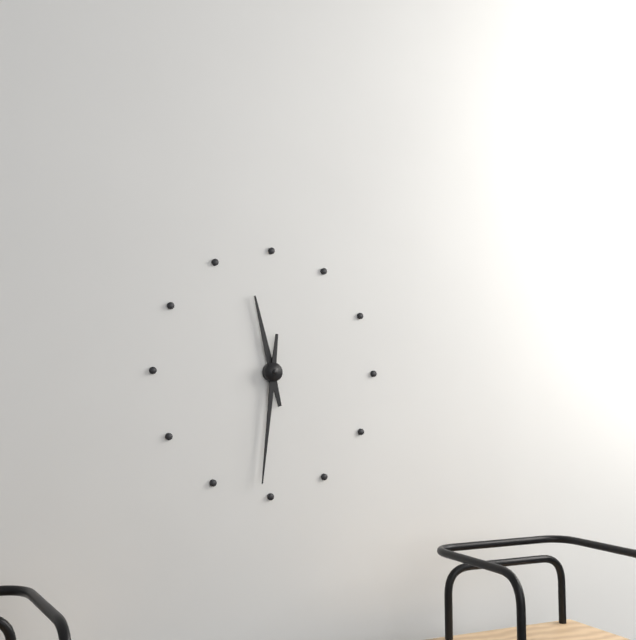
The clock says {"hour": 11, "minute": 31}
